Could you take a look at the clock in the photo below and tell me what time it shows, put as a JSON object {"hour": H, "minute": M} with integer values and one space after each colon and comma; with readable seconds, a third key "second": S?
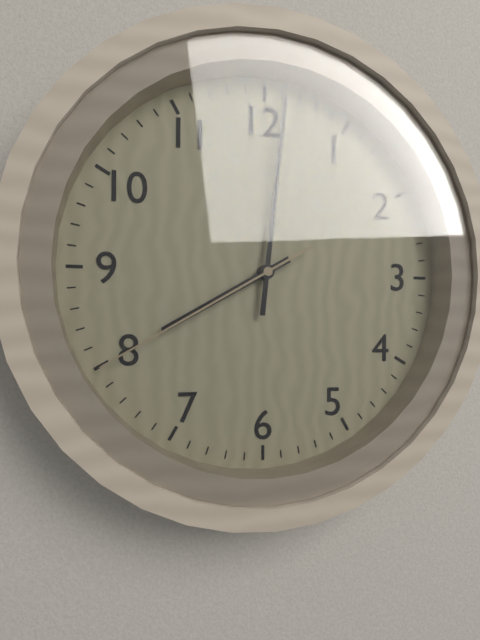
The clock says {"hour": 8, "minute": 1, "second": 40}
